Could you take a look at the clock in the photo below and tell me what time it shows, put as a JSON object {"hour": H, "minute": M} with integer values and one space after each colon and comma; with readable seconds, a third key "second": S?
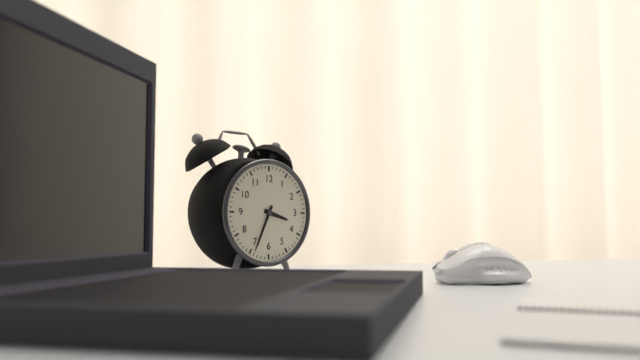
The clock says {"hour": 3, "minute": 34}
